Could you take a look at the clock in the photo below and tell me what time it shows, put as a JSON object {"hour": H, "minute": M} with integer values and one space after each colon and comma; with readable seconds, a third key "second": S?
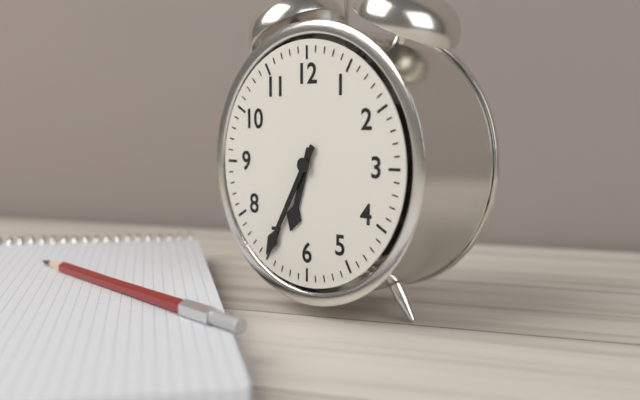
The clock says {"hour": 6, "minute": 35}
